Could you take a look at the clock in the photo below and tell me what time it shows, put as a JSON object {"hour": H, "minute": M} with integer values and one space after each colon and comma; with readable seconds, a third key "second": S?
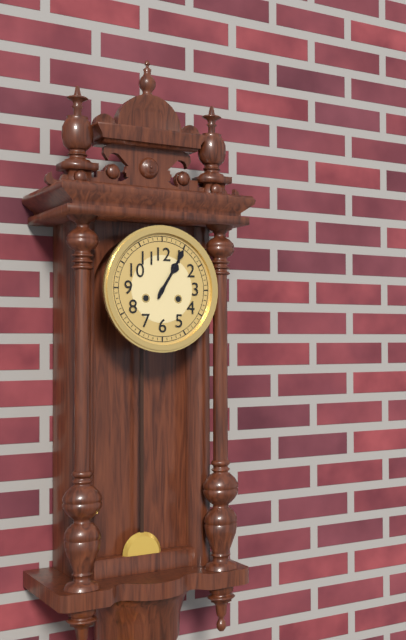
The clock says {"hour": 1, "minute": 5}
